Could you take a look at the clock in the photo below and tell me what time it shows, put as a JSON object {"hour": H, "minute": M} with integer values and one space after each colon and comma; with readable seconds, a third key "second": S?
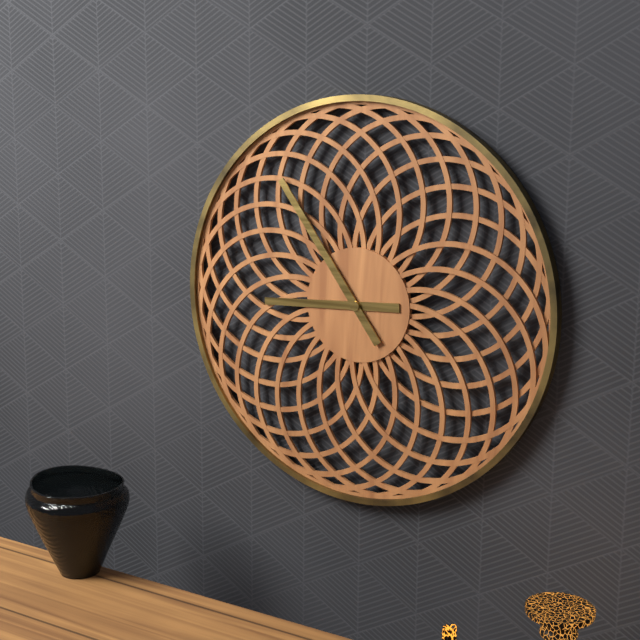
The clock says {"hour": 8, "minute": 54}
